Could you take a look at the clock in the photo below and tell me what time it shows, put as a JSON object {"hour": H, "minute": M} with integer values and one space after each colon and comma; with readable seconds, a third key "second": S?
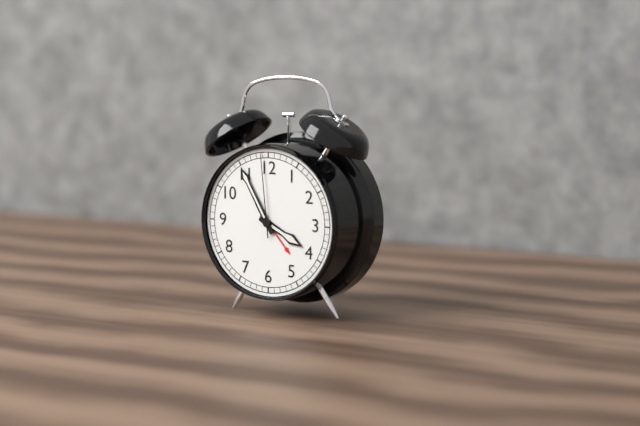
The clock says {"hour": 3, "minute": 55, "second": 59}
